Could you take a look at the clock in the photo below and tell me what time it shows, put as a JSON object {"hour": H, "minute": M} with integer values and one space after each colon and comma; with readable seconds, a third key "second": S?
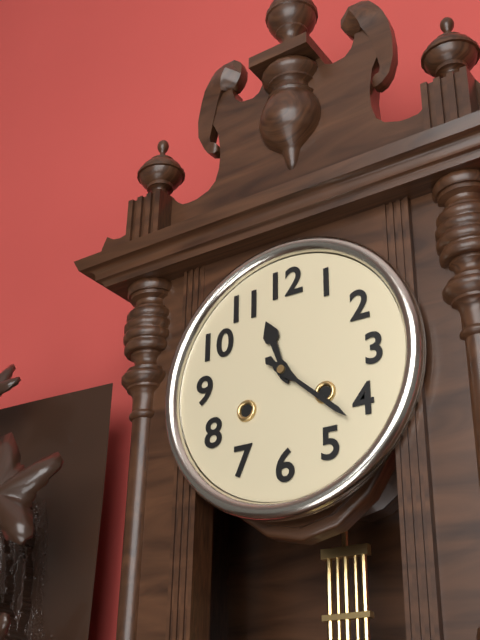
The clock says {"hour": 11, "minute": 22}
